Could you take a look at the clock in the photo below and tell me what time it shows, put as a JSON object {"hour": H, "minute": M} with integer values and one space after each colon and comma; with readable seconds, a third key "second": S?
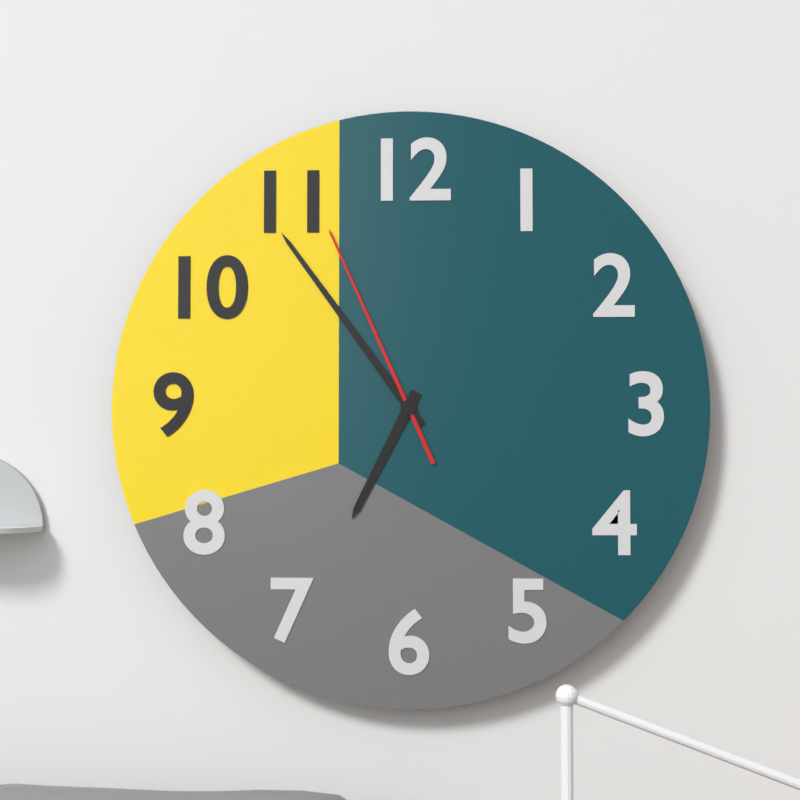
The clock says {"hour": 6, "minute": 54, "second": 56}
